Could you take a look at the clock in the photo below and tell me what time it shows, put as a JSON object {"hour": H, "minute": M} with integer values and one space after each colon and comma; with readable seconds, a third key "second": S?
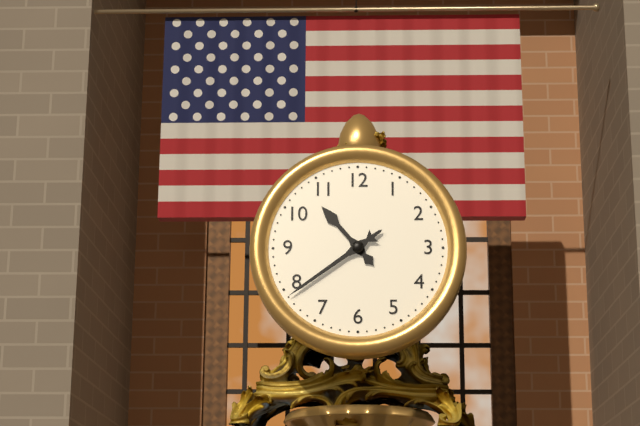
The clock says {"hour": 10, "minute": 39}
